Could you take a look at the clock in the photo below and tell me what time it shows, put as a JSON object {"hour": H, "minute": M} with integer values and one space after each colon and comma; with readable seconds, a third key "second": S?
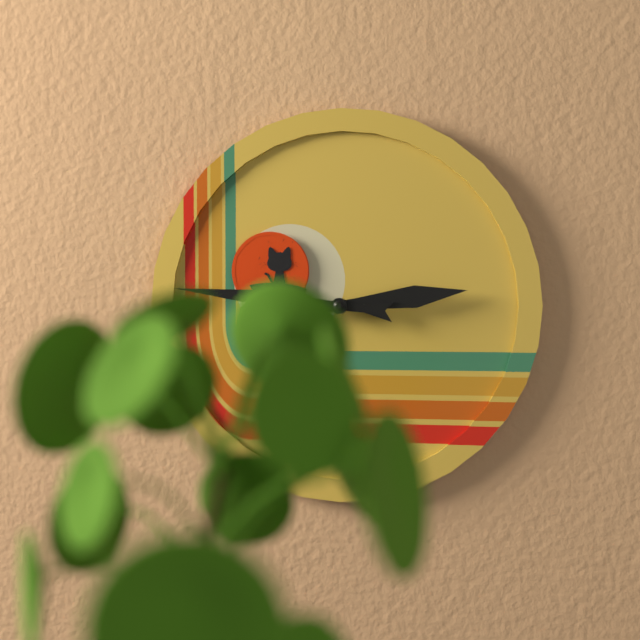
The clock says {"hour": 2, "minute": 46}
